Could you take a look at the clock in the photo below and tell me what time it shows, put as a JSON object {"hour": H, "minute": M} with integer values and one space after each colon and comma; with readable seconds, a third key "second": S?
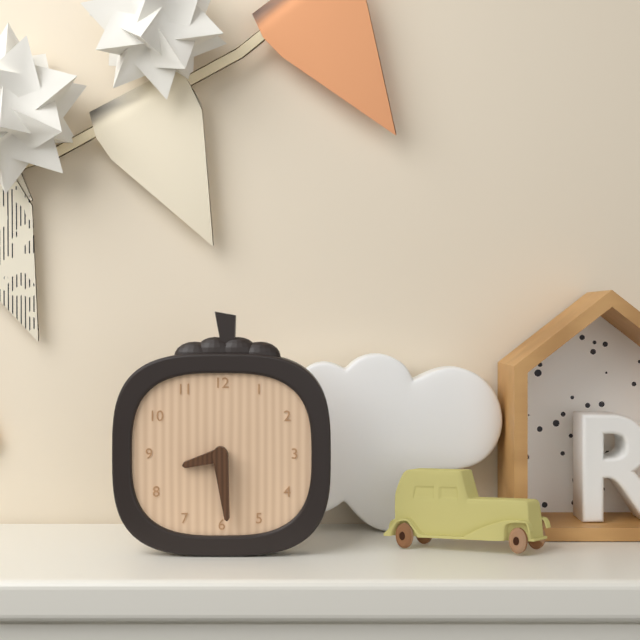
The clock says {"hour": 8, "minute": 29}
